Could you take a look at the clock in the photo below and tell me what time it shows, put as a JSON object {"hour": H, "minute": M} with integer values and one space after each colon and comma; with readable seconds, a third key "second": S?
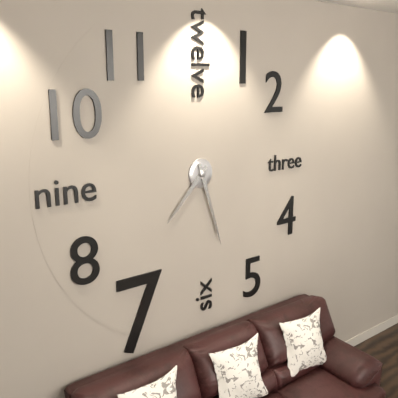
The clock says {"hour": 7, "minute": 27}
